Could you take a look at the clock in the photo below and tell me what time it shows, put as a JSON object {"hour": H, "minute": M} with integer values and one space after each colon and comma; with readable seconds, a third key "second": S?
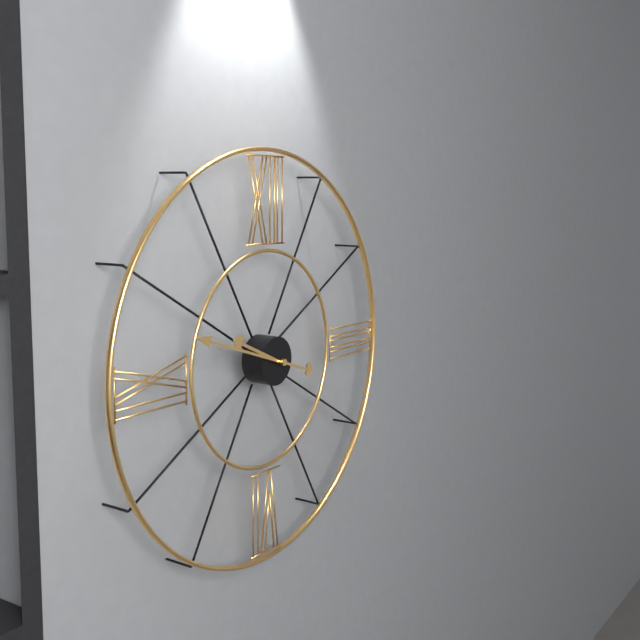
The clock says {"hour": 9, "minute": 48}
